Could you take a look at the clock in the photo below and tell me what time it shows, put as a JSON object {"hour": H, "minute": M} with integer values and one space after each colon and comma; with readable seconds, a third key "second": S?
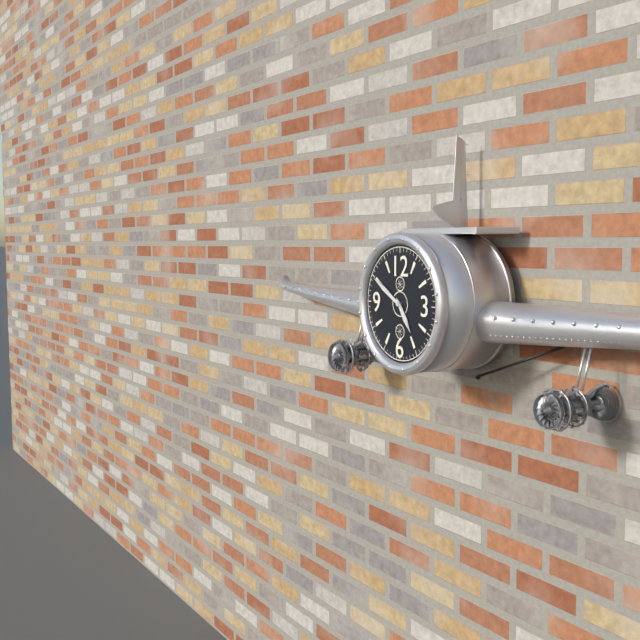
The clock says {"hour": 4, "minute": 50}
